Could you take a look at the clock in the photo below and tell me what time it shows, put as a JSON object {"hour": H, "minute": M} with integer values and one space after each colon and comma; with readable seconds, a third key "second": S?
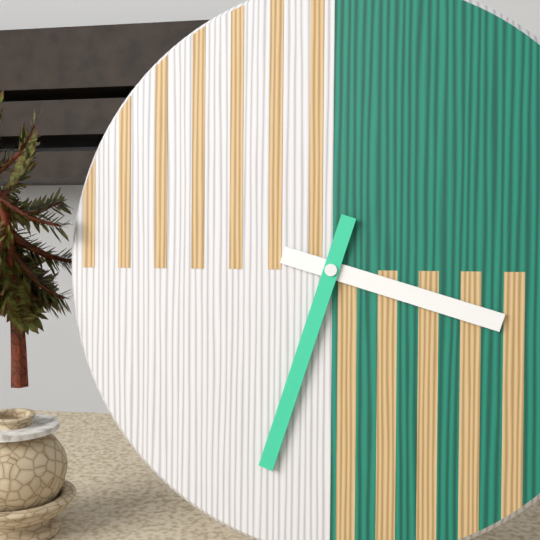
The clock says {"hour": 3, "minute": 33}
